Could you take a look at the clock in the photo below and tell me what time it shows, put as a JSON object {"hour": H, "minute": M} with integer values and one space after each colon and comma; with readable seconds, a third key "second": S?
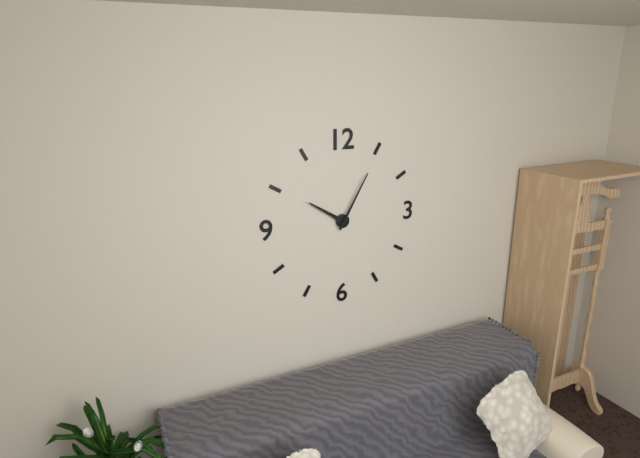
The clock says {"hour": 10, "minute": 5}
